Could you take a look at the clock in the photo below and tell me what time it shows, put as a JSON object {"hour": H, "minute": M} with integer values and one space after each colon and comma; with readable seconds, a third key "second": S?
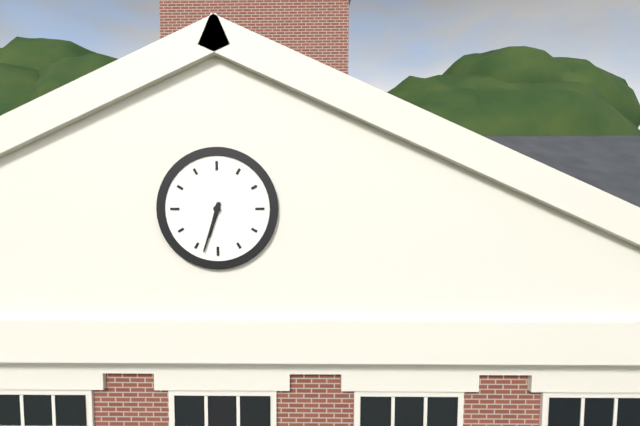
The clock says {"hour": 6, "minute": 33}
